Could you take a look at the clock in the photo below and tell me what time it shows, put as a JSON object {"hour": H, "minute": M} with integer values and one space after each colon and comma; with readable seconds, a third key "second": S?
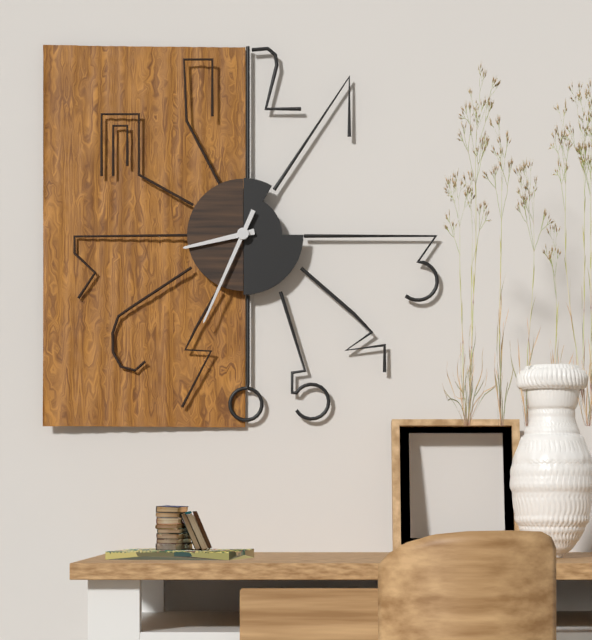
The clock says {"hour": 8, "minute": 34}
